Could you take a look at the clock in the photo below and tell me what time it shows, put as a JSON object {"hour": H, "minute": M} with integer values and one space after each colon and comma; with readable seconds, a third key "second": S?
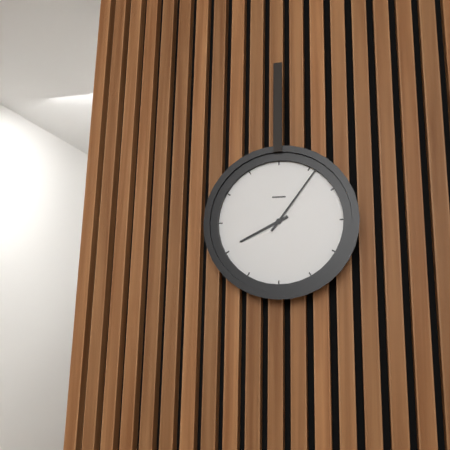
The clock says {"hour": 8, "minute": 6}
